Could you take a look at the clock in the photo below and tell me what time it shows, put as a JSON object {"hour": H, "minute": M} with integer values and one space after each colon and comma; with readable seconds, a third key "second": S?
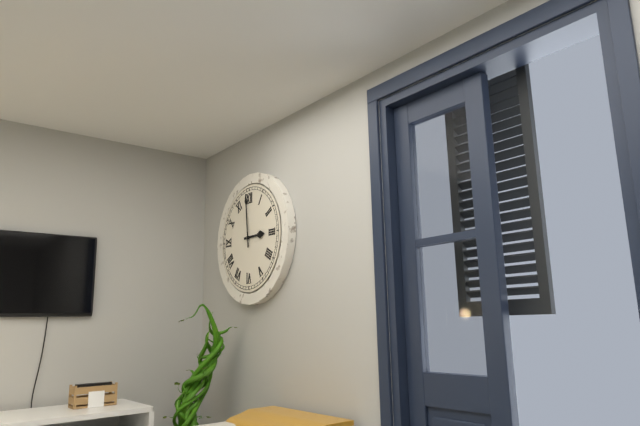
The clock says {"hour": 2, "minute": 59}
